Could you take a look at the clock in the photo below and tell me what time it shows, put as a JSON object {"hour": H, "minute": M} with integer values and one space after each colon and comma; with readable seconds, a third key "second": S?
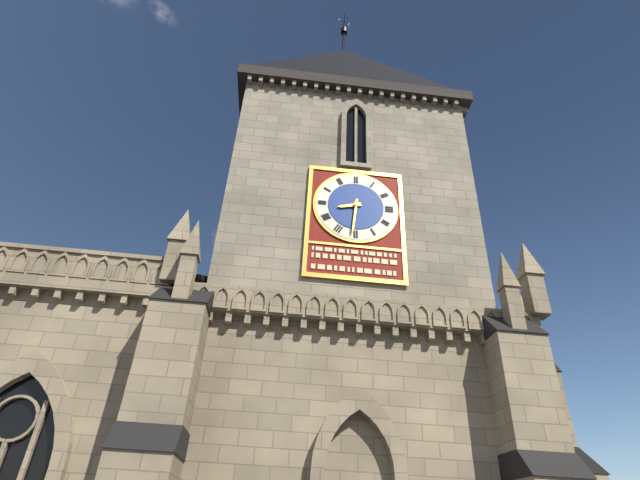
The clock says {"hour": 8, "minute": 31}
